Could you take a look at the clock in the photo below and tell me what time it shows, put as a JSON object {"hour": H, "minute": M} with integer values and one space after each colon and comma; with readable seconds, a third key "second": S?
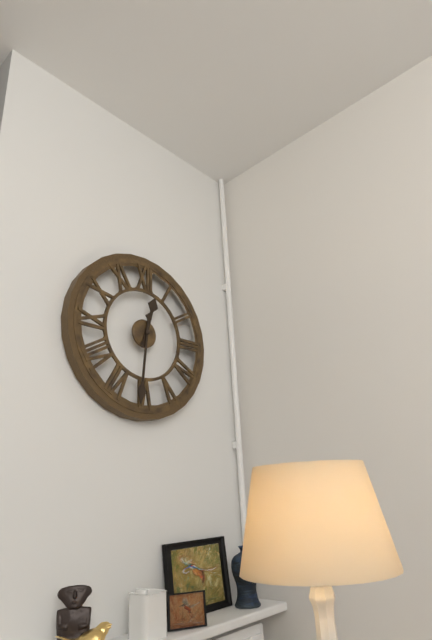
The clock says {"hour": 12, "minute": 31}
